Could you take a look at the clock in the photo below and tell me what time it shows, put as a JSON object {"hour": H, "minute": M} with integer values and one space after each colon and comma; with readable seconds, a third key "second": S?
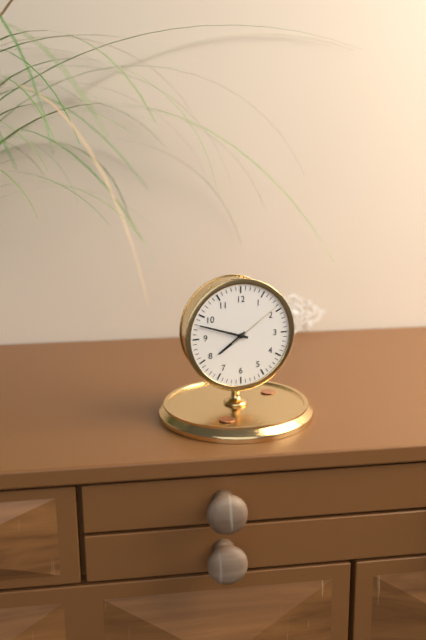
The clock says {"hour": 7, "minute": 48, "second": 9}
